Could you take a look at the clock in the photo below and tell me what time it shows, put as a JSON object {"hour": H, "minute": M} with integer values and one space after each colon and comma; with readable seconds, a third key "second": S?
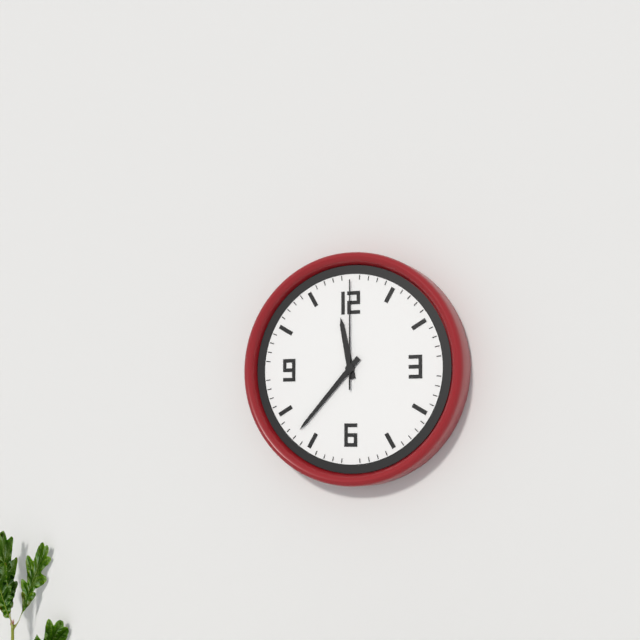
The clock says {"hour": 11, "minute": 37, "second": 0}
